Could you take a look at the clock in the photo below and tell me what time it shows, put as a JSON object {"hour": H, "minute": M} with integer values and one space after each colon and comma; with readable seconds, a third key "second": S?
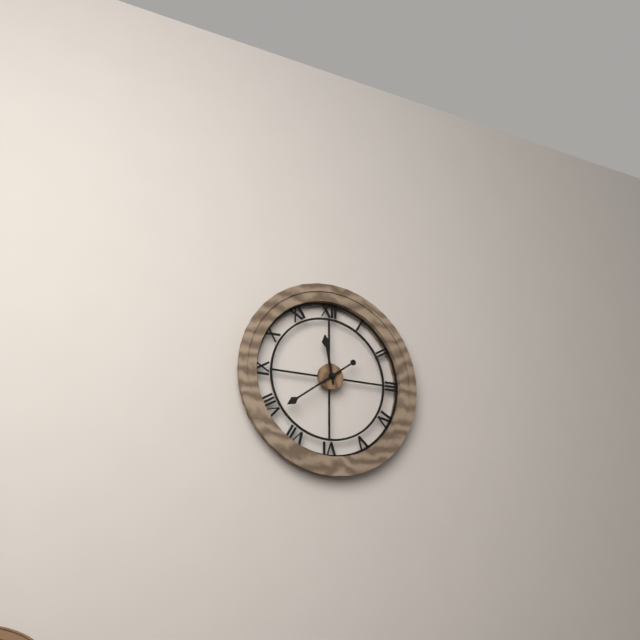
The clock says {"hour": 11, "minute": 39}
